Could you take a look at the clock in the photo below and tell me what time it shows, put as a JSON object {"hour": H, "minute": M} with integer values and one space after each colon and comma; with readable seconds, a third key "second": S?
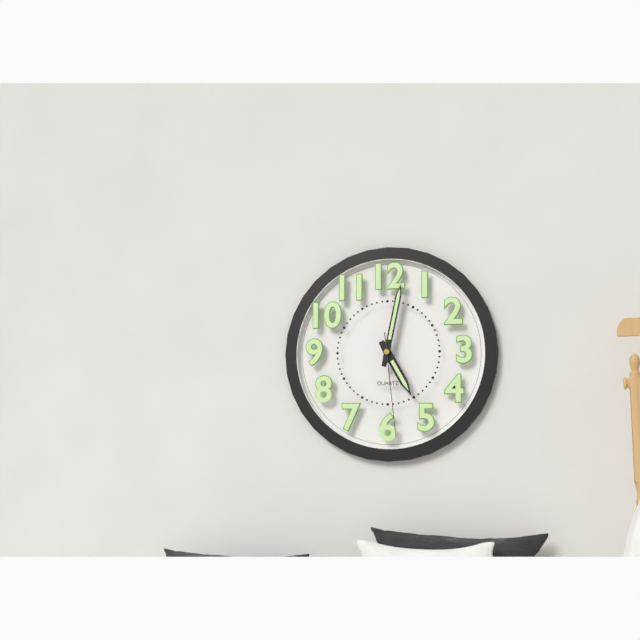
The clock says {"hour": 5, "minute": 2, "second": 29}
